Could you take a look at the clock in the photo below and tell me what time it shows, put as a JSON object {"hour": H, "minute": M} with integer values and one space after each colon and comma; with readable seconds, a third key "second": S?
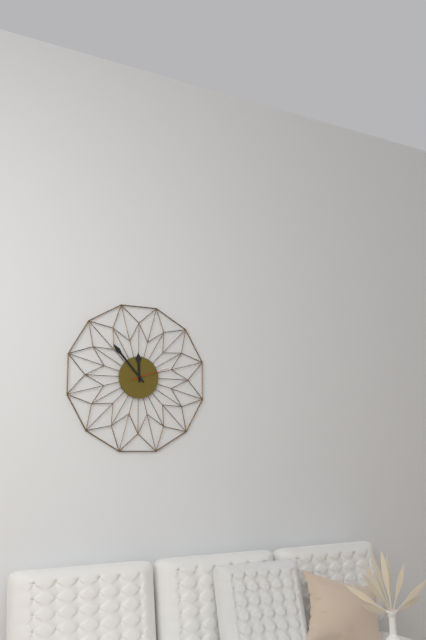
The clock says {"hour": 11, "minute": 53}
